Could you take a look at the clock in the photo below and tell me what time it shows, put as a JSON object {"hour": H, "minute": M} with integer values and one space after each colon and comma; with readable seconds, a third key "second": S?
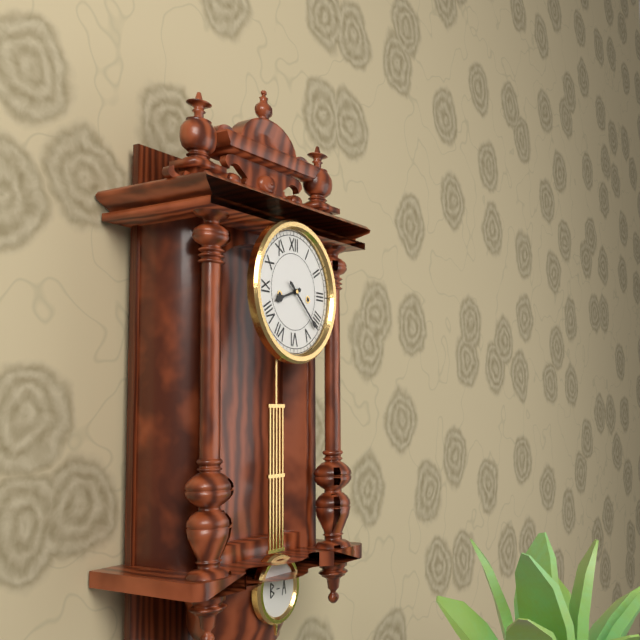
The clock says {"hour": 8, "minute": 22}
